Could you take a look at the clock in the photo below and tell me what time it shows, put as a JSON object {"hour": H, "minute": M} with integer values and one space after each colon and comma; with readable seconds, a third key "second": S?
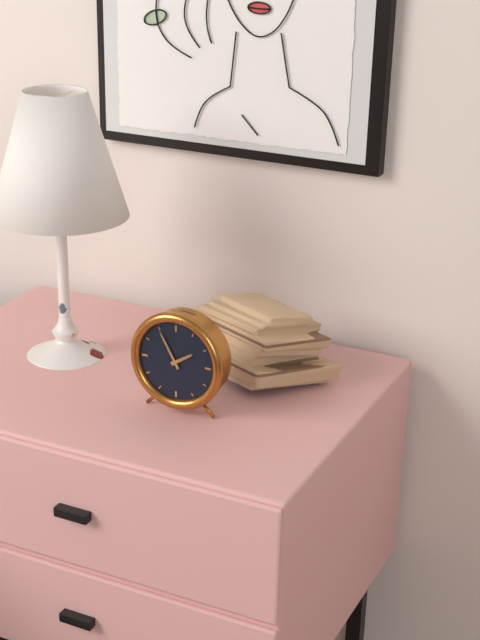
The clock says {"hour": 1, "minute": 55}
